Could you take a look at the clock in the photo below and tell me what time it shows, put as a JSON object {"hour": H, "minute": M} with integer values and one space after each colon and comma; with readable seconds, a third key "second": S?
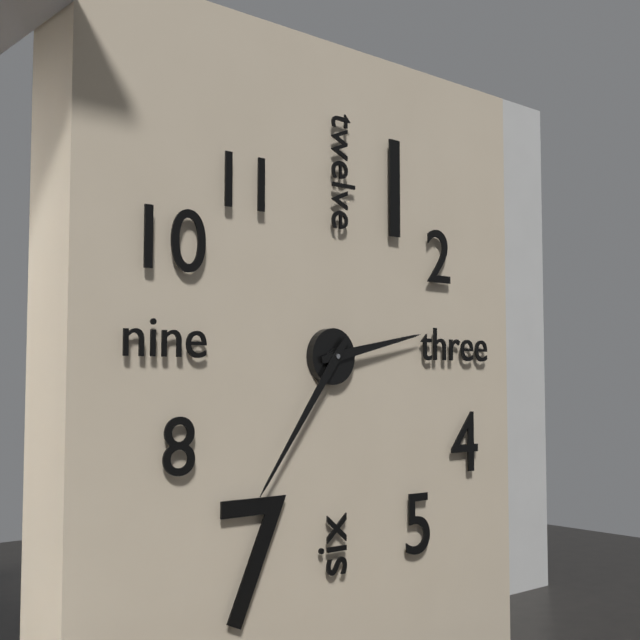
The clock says {"hour": 2, "minute": 36}
